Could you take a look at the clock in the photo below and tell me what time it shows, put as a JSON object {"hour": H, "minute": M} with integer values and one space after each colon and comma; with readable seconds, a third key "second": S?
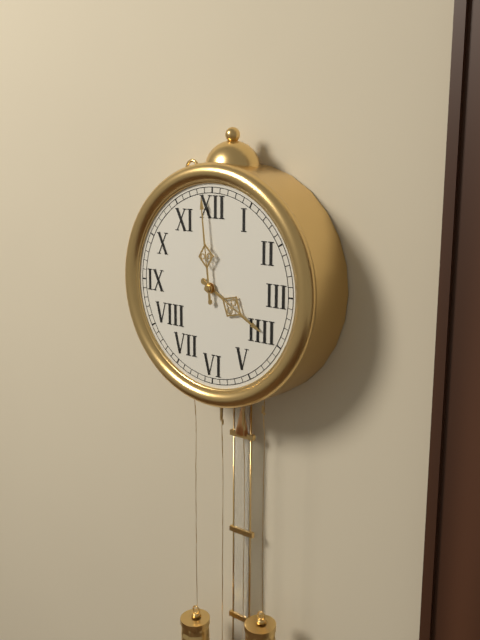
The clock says {"hour": 3, "minute": 59}
